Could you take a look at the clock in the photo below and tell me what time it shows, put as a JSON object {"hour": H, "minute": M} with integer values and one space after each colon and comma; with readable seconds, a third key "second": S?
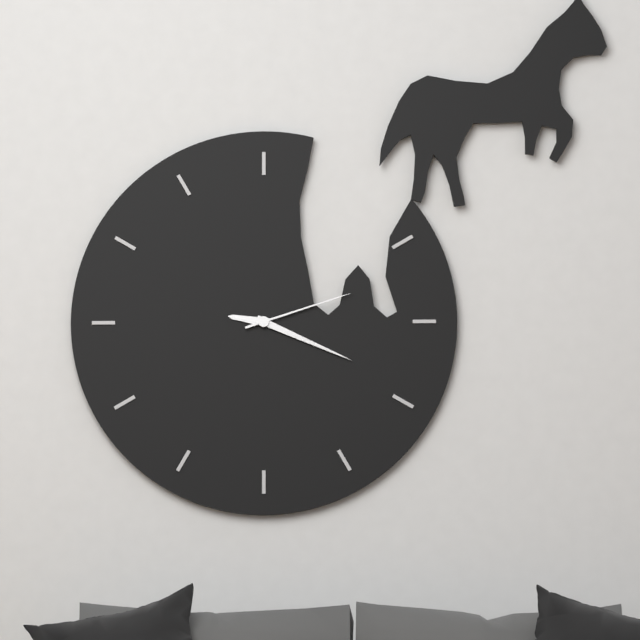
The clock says {"hour": 9, "minute": 19, "second": 12}
